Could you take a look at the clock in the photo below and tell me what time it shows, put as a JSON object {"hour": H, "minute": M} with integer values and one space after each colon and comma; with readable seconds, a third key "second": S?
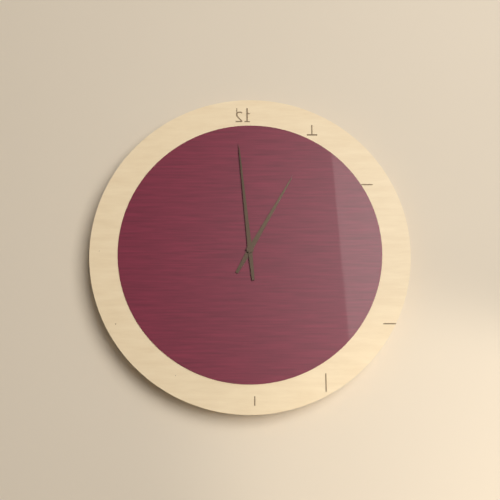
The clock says {"hour": 12, "minute": 59}
